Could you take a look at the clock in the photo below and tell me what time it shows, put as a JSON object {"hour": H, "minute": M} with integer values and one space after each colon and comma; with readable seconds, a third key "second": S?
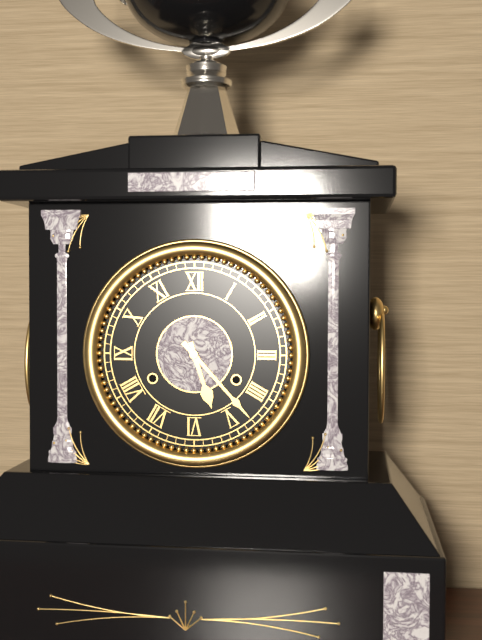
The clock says {"hour": 5, "minute": 23}
